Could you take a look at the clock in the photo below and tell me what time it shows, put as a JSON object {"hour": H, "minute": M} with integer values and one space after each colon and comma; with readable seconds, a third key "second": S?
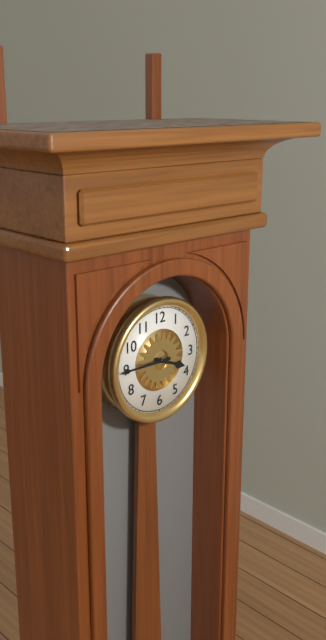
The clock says {"hour": 3, "minute": 45}
